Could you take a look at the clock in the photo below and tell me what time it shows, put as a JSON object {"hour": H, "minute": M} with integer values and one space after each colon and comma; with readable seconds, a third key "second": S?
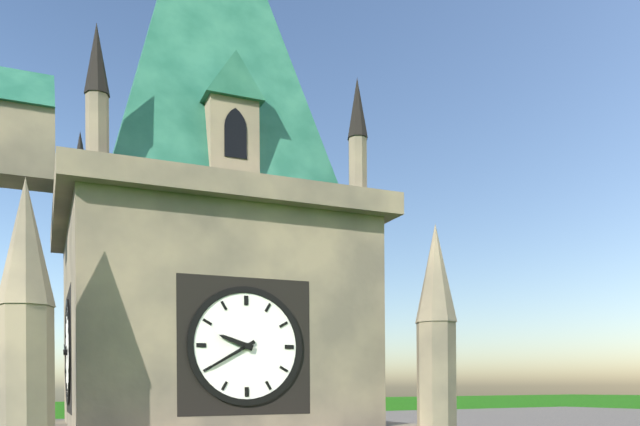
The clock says {"hour": 9, "minute": 40}
